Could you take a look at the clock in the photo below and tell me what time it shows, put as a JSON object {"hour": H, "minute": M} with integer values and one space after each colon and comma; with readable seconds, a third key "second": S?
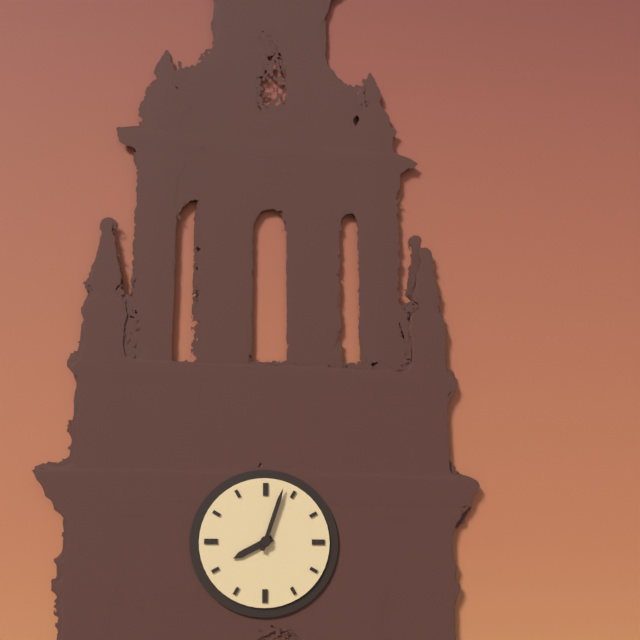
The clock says {"hour": 8, "minute": 3}
